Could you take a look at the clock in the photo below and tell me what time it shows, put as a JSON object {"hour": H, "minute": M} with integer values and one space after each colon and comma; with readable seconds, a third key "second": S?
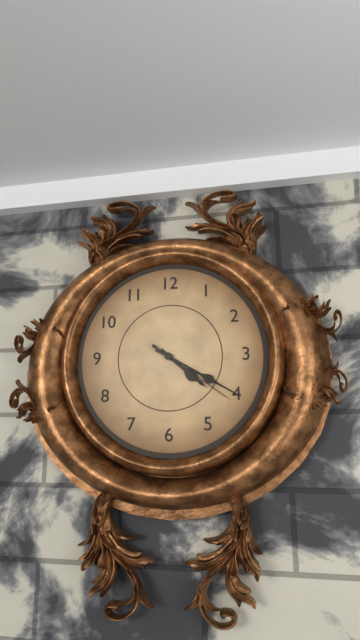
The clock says {"hour": 4, "minute": 20, "second": 21}
